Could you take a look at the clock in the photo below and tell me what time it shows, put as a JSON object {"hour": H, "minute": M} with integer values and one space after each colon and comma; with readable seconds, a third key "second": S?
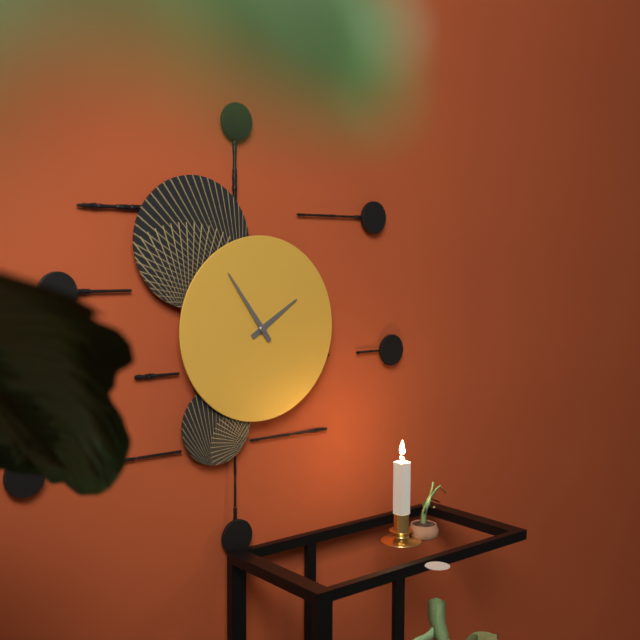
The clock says {"hour": 1, "minute": 54}
